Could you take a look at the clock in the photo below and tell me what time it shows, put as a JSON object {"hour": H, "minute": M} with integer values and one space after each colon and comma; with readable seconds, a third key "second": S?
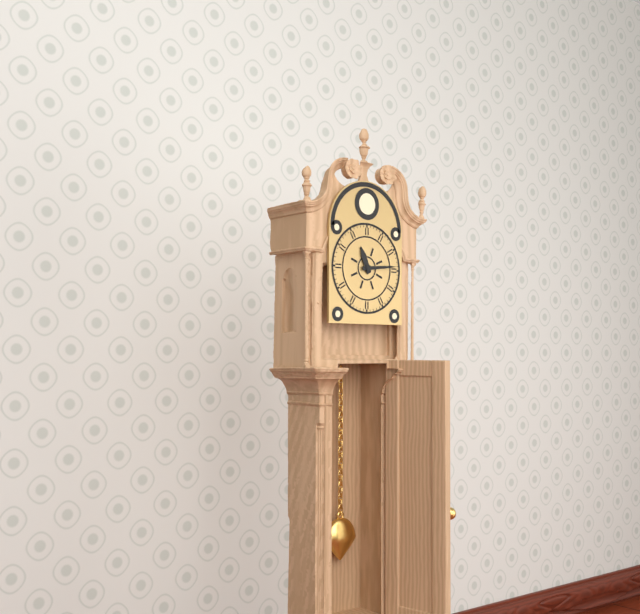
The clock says {"hour": 11, "minute": 14}
